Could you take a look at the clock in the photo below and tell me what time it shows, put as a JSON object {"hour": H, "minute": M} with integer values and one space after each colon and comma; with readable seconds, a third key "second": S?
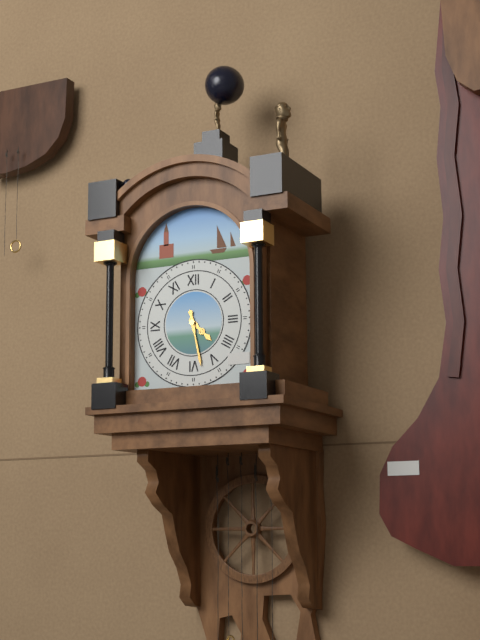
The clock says {"hour": 4, "minute": 28}
